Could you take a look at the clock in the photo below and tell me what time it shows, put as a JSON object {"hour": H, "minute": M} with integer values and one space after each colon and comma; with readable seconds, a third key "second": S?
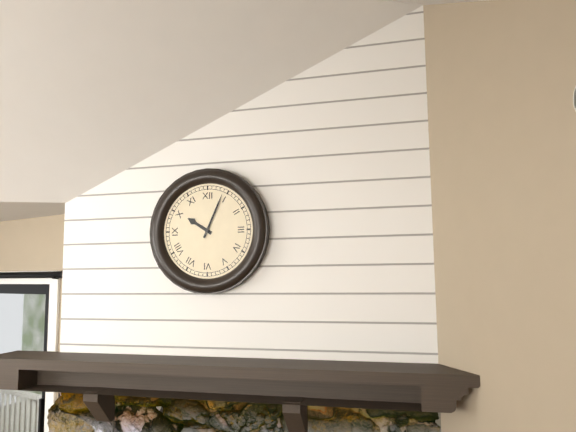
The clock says {"hour": 10, "minute": 4}
